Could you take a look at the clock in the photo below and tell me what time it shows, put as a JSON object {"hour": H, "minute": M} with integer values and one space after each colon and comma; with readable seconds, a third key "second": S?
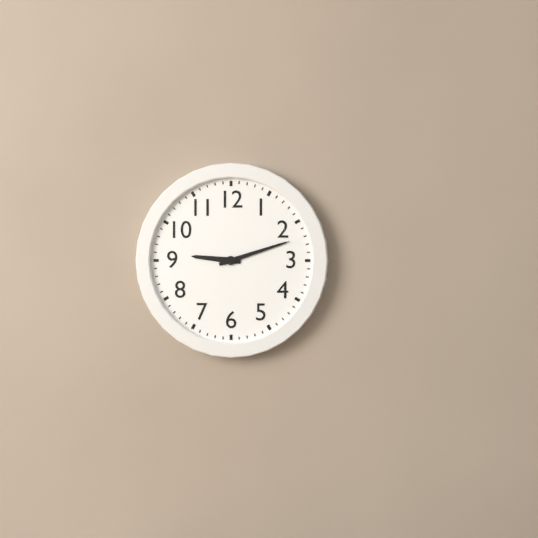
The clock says {"hour": 9, "minute": 12}
